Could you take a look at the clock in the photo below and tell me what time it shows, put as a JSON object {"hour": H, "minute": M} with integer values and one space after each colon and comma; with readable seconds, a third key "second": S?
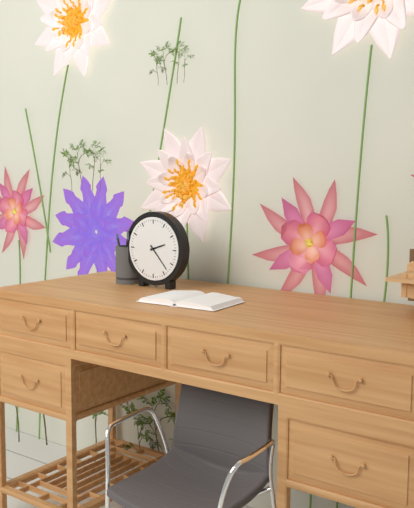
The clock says {"hour": 2, "minute": 23}
